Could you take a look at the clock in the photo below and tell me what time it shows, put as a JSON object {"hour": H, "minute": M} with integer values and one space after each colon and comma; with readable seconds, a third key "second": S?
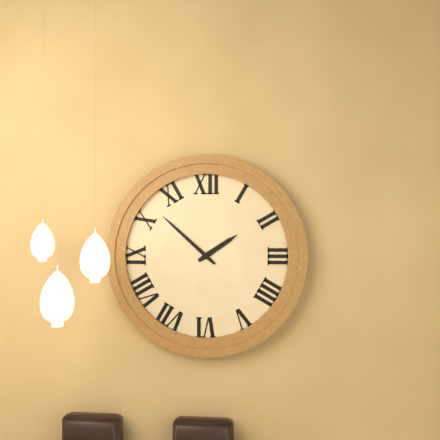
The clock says {"hour": 1, "minute": 52}
